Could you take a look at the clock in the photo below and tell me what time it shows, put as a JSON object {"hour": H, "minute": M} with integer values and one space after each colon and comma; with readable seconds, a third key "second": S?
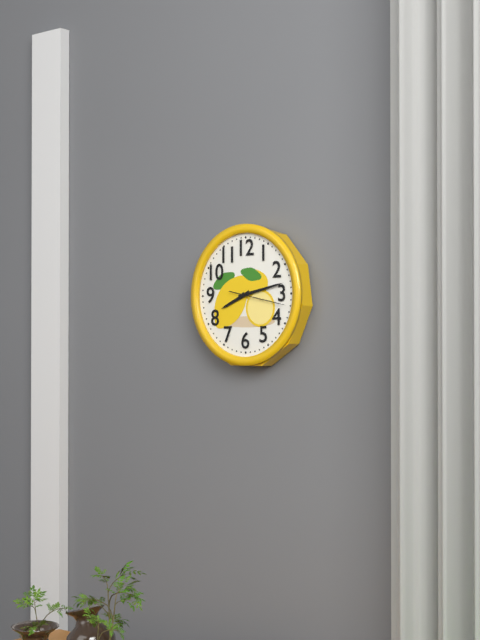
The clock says {"hour": 8, "minute": 13, "second": 17}
